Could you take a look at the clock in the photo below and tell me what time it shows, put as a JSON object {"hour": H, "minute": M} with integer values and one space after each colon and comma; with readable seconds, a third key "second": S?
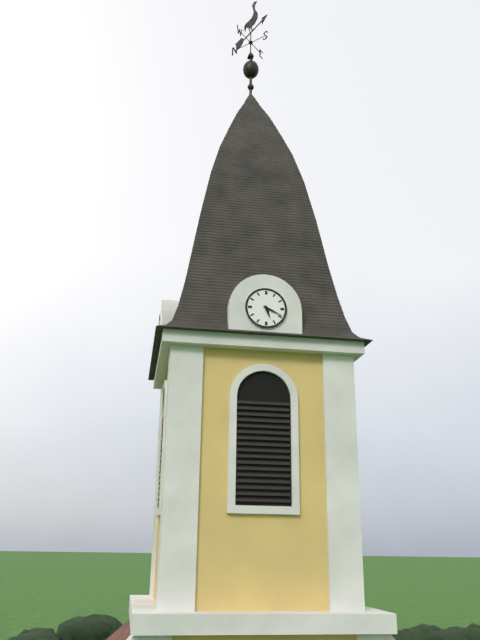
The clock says {"hour": 5, "minute": 19}
